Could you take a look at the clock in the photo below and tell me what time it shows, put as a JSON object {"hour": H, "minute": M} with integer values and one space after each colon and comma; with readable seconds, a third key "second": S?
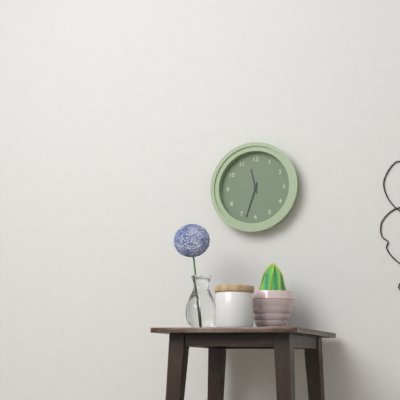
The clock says {"hour": 11, "minute": 33}
